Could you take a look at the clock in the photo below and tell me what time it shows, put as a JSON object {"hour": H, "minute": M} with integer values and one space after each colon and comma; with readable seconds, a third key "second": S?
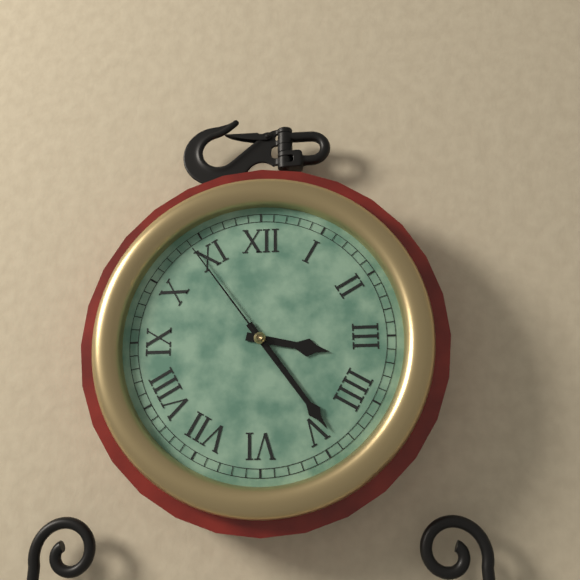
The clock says {"hour": 3, "minute": 24, "second": 54}
